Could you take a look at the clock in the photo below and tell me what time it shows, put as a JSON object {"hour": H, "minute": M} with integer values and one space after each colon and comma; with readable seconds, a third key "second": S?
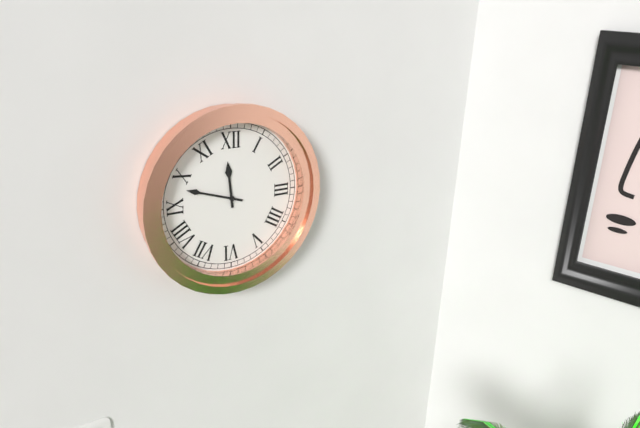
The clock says {"hour": 11, "minute": 48}
